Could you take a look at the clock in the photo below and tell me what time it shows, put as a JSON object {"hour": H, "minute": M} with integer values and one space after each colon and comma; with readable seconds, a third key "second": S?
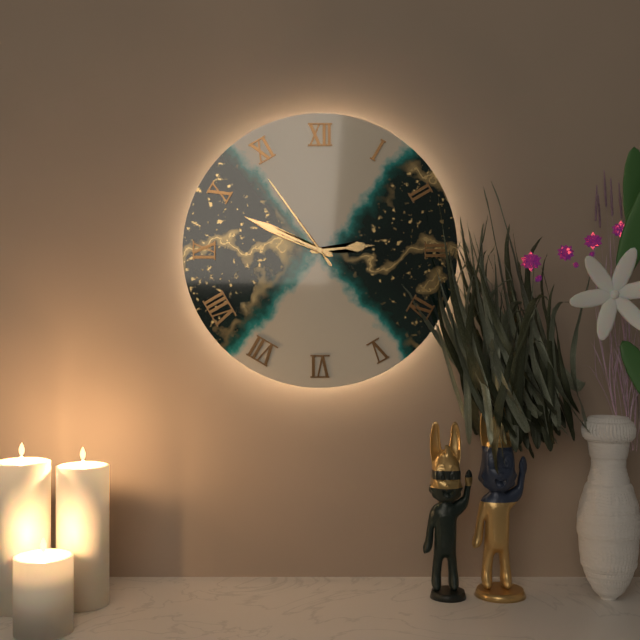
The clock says {"hour": 2, "minute": 49, "second": 54}
